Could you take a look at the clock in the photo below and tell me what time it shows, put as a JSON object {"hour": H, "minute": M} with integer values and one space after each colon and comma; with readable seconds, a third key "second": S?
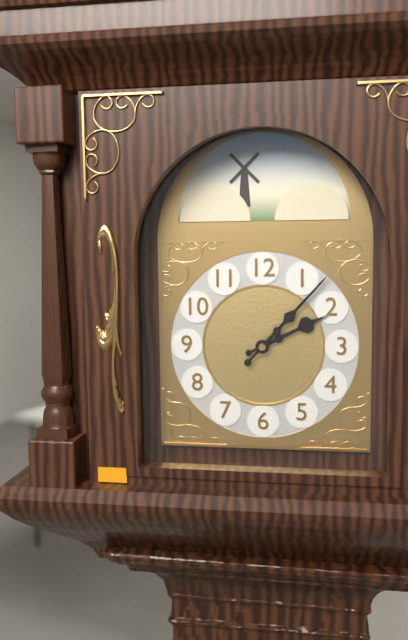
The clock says {"hour": 2, "minute": 7}
